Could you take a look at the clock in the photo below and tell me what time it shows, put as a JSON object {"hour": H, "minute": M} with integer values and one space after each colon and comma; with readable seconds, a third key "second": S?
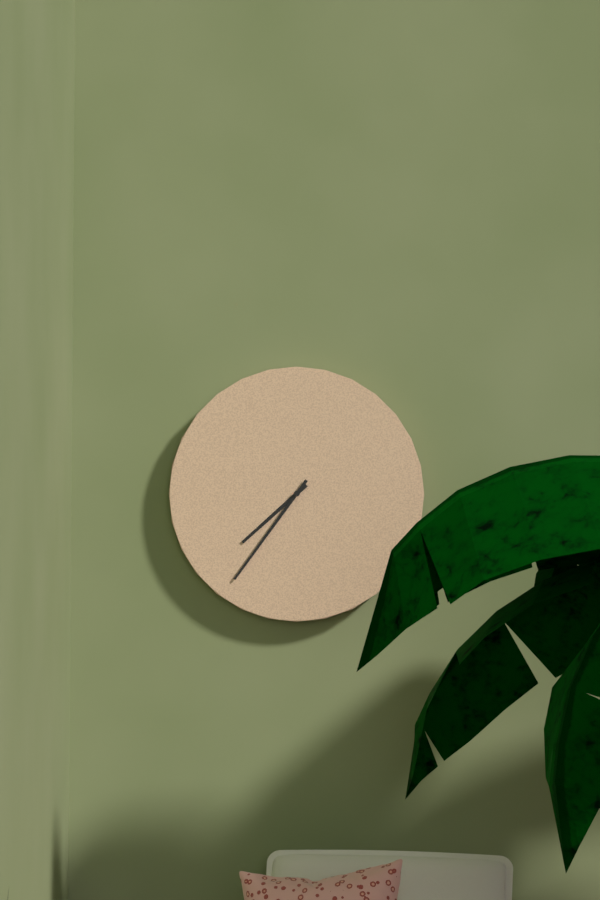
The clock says {"hour": 7, "minute": 36}
